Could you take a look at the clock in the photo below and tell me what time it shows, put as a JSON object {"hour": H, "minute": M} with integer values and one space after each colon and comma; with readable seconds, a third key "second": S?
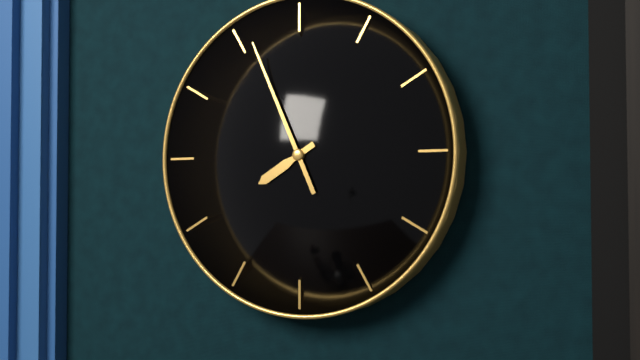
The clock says {"hour": 7, "minute": 56}
